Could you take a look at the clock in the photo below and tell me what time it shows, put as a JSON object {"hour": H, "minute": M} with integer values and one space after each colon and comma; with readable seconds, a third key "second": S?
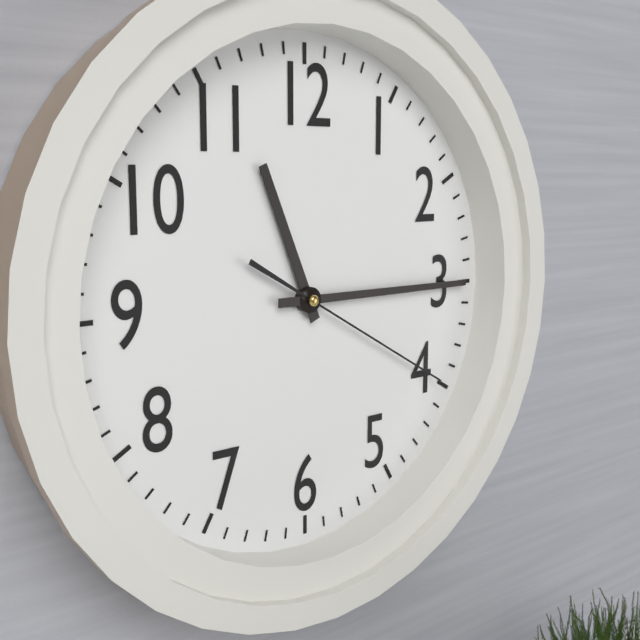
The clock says {"hour": 11, "minute": 15, "second": 20}
